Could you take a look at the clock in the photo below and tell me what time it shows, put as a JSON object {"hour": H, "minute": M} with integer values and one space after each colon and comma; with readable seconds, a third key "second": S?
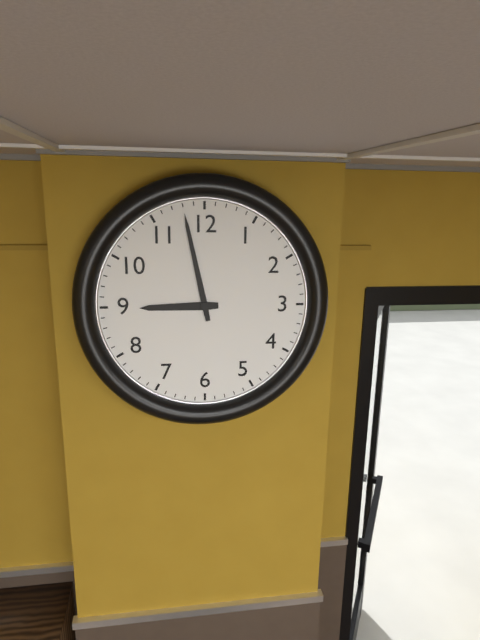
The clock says {"hour": 8, "minute": 58}
